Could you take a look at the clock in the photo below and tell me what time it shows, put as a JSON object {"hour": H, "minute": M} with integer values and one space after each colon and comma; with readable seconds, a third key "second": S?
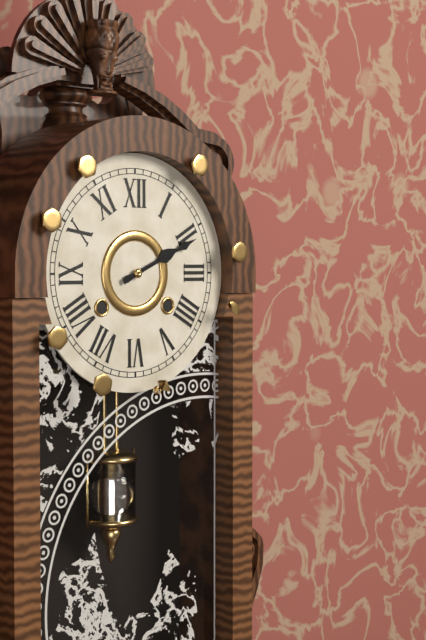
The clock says {"hour": 2, "minute": 11}
